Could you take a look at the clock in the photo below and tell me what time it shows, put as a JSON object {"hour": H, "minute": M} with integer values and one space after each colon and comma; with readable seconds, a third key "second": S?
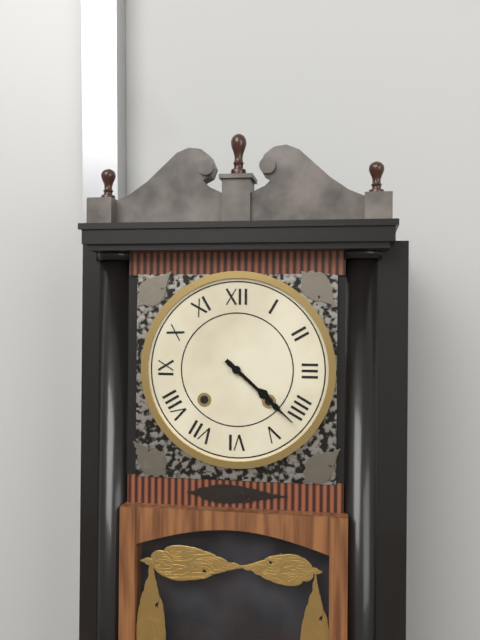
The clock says {"hour": 4, "minute": 22}
